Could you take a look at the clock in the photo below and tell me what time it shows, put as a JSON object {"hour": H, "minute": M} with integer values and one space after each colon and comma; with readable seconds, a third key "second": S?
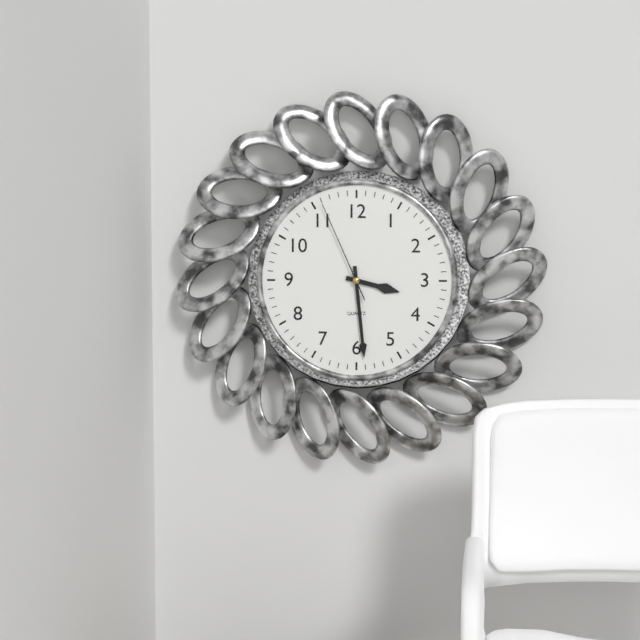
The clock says {"hour": 3, "minute": 29, "second": 56}
